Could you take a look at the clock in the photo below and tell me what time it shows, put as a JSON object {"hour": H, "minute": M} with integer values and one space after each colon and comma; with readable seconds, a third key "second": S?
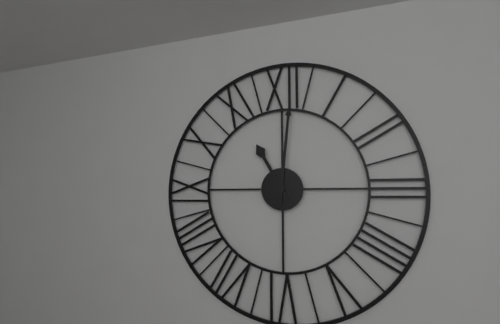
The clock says {"hour": 11, "minute": 1}
